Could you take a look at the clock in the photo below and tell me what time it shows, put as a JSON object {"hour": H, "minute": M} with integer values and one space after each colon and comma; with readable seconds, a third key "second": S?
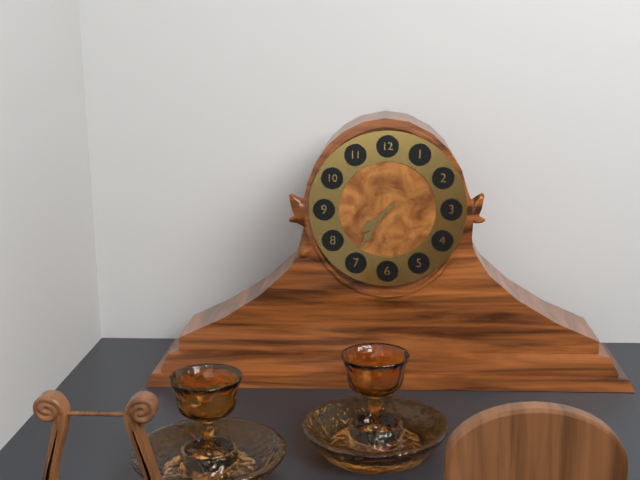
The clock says {"hour": 7, "minute": 36}
